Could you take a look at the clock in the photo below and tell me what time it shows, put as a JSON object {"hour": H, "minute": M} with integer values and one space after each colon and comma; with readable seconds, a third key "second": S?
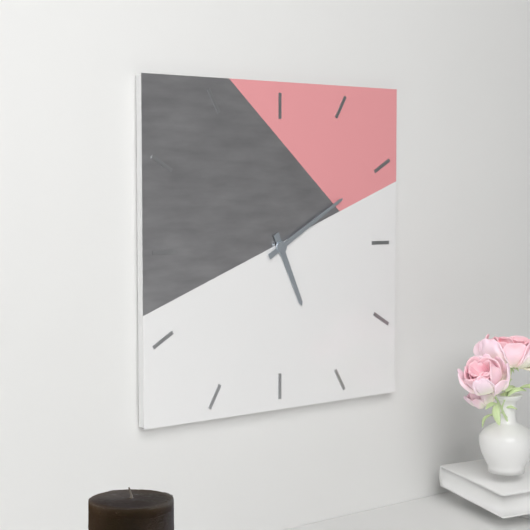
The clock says {"hour": 5, "minute": 10}
